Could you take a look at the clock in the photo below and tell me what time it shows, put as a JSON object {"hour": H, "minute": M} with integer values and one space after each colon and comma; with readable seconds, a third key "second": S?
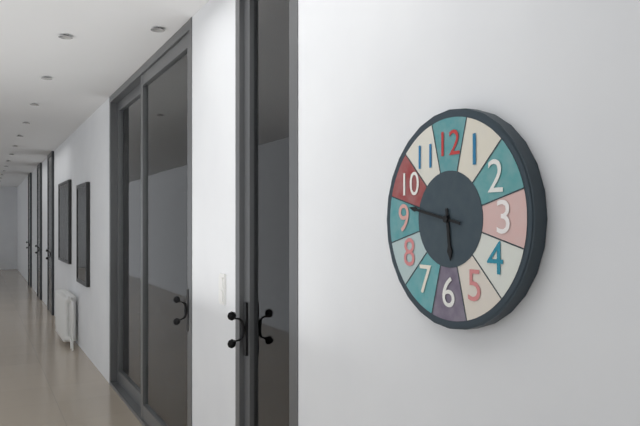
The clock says {"hour": 5, "minute": 47}
